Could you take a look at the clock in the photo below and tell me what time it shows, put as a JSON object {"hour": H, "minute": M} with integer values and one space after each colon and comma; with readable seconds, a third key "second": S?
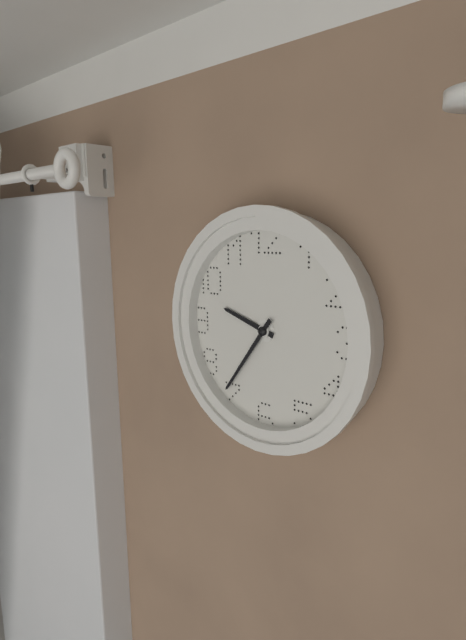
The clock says {"hour": 9, "minute": 36}
